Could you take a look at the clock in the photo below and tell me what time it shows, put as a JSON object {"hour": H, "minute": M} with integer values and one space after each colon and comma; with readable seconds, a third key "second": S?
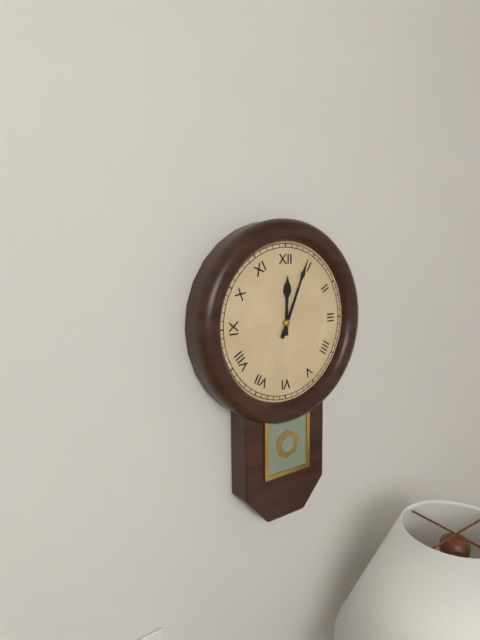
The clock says {"hour": 12, "minute": 4}
